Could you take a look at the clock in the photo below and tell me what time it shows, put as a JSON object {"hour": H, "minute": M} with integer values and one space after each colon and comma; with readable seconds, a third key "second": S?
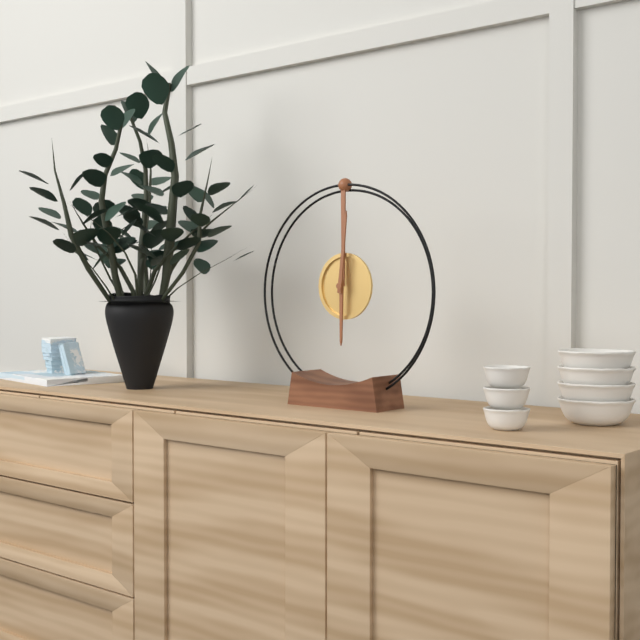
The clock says {"hour": 6, "minute": 1}
